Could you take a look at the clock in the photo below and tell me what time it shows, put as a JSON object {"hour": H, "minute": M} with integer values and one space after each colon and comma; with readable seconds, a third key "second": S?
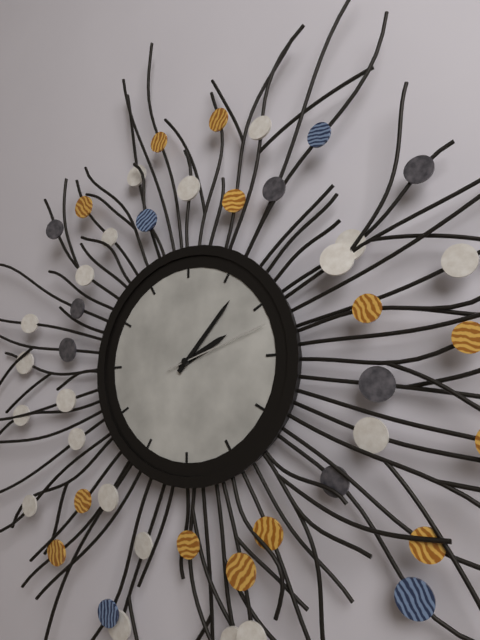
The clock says {"hour": 2, "minute": 7, "second": 12}
